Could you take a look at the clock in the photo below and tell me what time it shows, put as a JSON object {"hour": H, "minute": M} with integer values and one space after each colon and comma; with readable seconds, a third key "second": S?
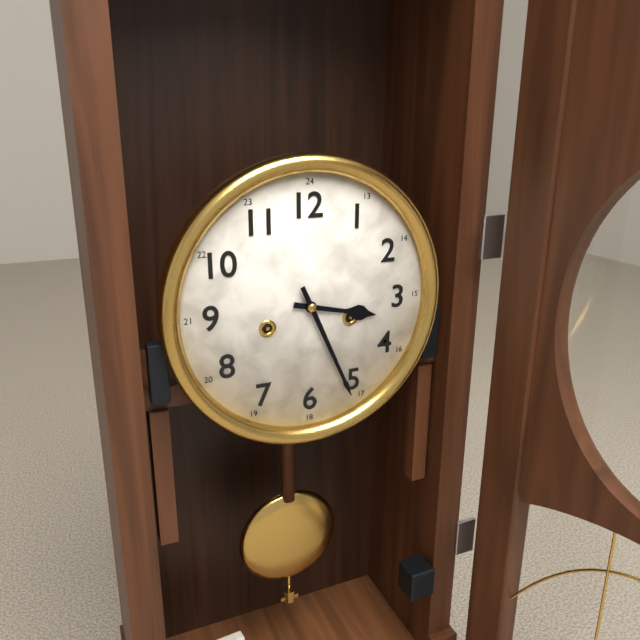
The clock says {"hour": 3, "minute": 26}
